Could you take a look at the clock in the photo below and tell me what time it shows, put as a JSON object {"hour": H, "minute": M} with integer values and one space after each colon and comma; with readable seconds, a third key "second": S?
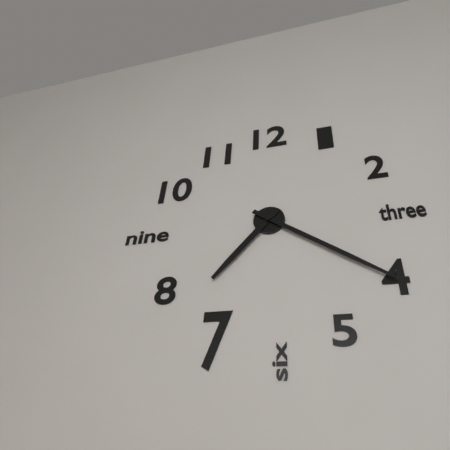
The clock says {"hour": 7, "minute": 21}
